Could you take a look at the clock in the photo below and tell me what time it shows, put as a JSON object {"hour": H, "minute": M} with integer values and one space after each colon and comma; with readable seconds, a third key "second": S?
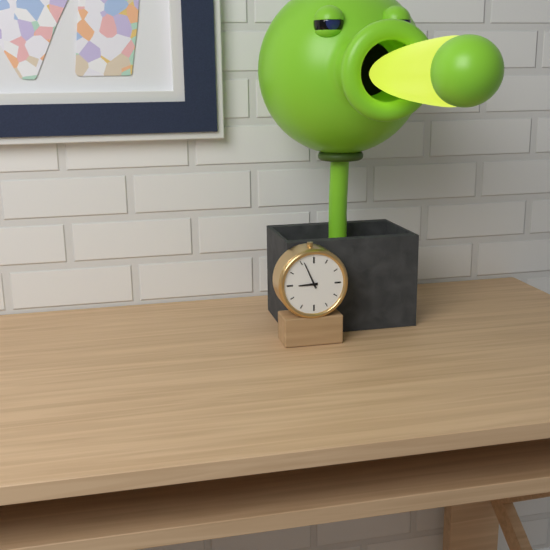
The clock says {"hour": 8, "minute": 56}
